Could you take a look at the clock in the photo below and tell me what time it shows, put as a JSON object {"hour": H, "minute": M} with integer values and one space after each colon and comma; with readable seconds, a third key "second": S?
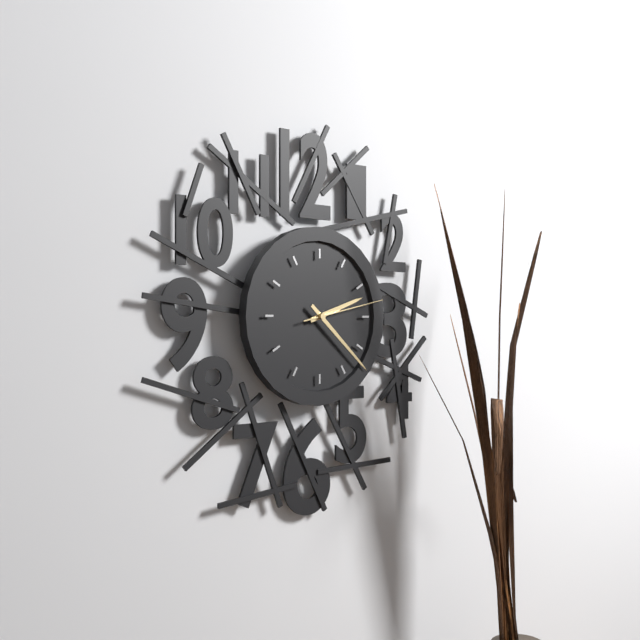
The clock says {"hour": 2, "minute": 22, "second": 13}
